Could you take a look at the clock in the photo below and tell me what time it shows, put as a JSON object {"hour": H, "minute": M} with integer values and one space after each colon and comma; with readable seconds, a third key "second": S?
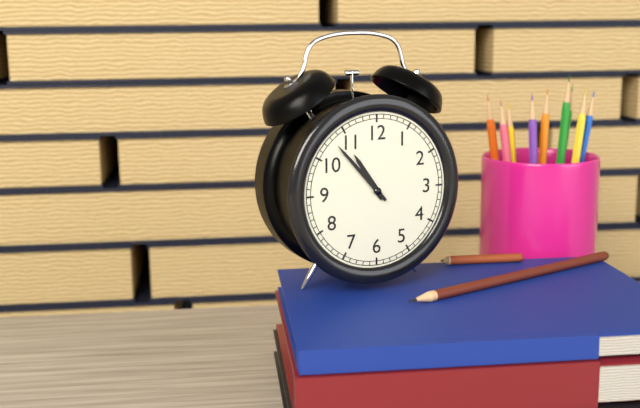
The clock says {"hour": 10, "minute": 53}
